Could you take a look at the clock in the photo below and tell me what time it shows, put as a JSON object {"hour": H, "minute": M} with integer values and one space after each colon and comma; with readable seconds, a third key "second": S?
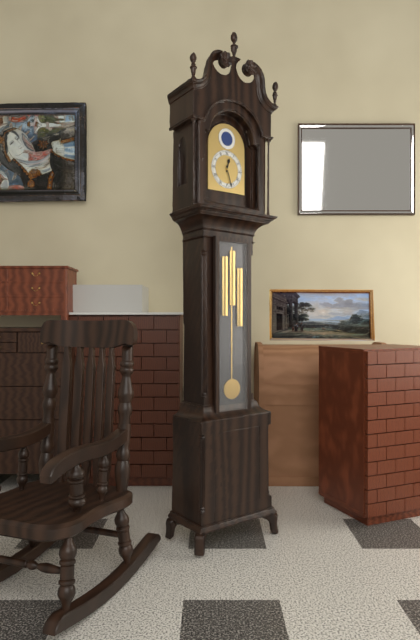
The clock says {"hour": 12, "minute": 27}
